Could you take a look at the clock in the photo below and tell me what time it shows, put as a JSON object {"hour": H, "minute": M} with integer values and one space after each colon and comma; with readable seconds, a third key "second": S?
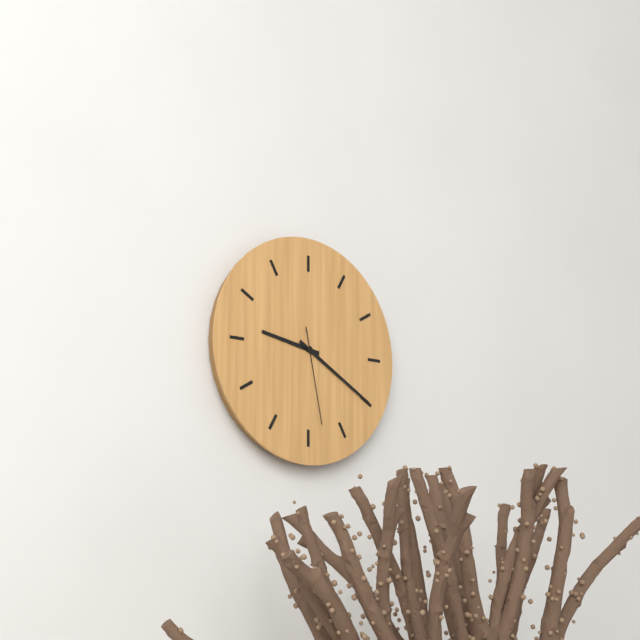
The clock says {"hour": 9, "minute": 20, "second": 28}
